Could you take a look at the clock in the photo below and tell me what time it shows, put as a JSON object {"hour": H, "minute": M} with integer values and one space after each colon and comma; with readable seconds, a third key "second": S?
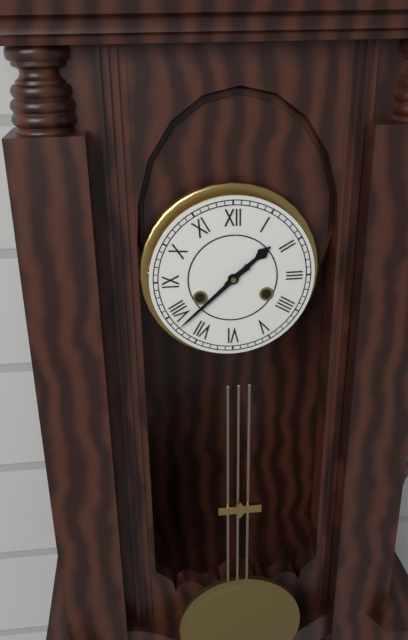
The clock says {"hour": 1, "minute": 38}
